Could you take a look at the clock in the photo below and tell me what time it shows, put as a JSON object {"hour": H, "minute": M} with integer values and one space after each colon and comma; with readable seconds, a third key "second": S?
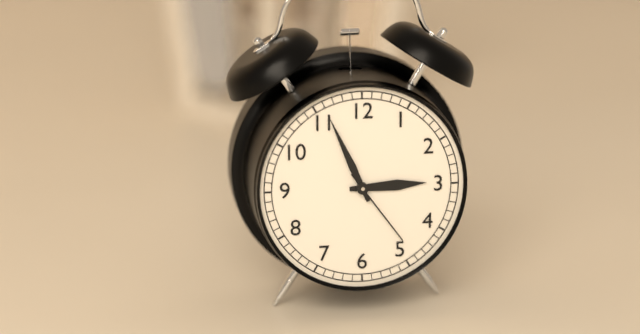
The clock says {"hour": 2, "minute": 56, "second": 24}
